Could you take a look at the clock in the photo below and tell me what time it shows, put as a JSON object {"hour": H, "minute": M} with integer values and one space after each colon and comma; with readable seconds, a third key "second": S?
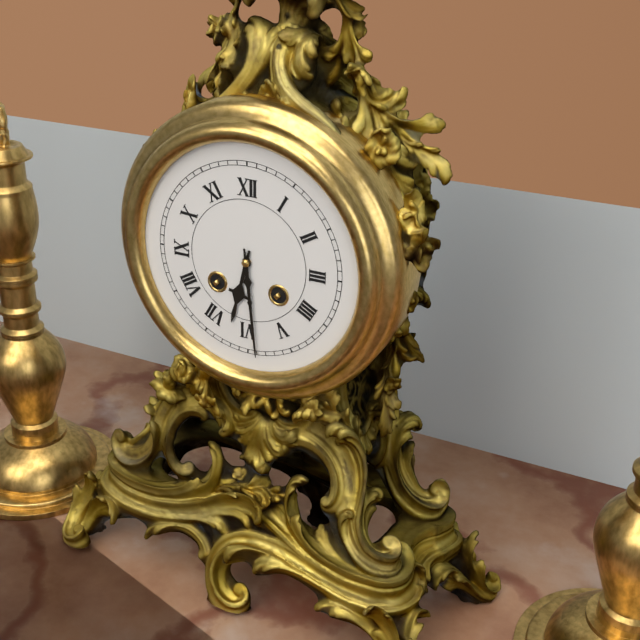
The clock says {"hour": 6, "minute": 29}
